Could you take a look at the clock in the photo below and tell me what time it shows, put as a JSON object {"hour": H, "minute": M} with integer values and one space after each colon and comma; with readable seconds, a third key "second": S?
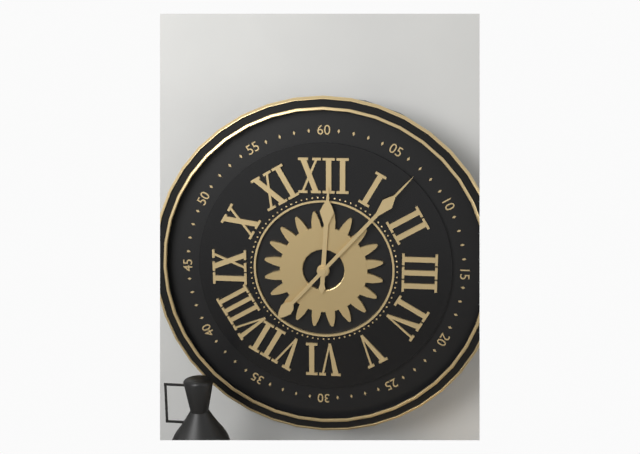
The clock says {"hour": 12, "minute": 7}
